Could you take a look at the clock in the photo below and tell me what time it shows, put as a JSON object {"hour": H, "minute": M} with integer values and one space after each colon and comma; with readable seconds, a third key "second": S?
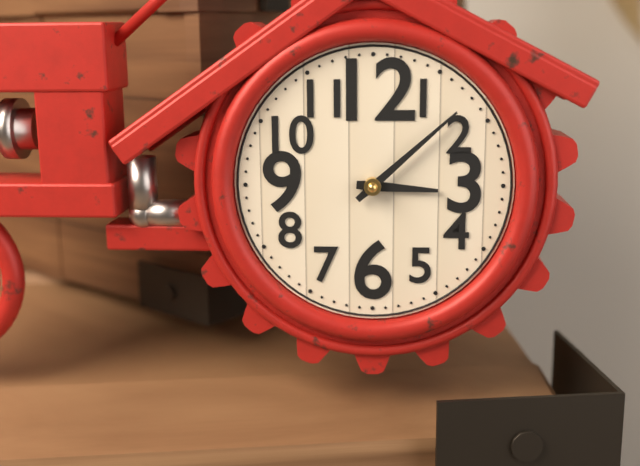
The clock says {"hour": 3, "minute": 8}
